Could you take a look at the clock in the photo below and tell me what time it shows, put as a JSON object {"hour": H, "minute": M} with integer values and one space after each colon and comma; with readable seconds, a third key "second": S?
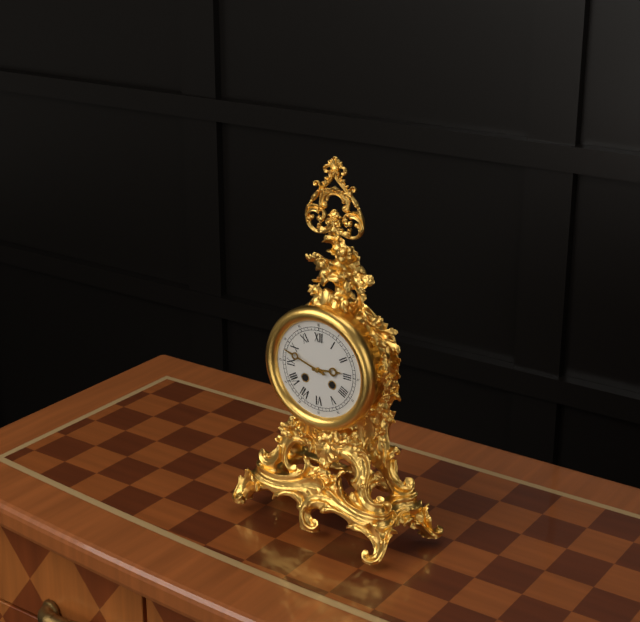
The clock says {"hour": 2, "minute": 48}
